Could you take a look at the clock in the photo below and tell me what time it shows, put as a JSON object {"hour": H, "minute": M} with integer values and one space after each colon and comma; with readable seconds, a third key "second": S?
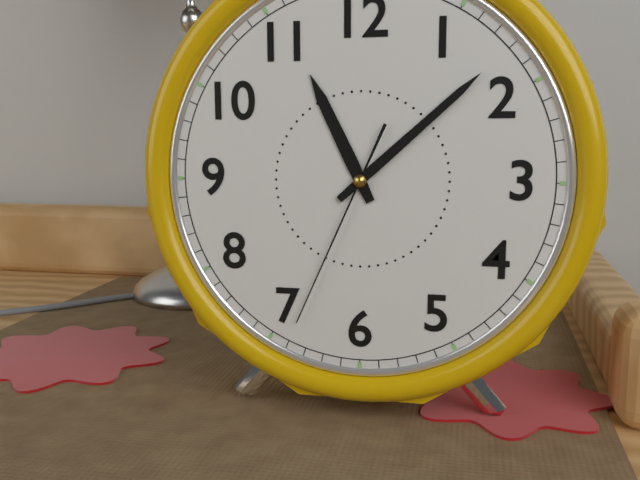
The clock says {"hour": 11, "minute": 8, "second": 34}
